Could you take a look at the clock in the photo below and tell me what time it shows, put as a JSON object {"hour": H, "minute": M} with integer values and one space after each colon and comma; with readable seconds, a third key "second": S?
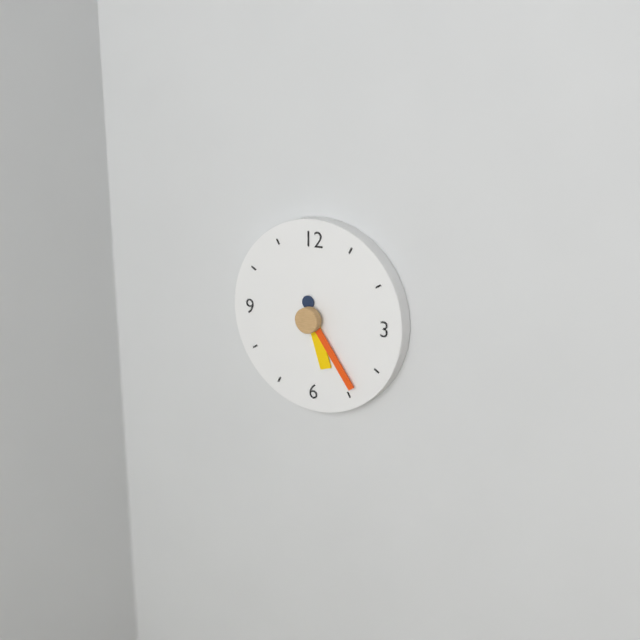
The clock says {"hour": 5, "minute": 24}
